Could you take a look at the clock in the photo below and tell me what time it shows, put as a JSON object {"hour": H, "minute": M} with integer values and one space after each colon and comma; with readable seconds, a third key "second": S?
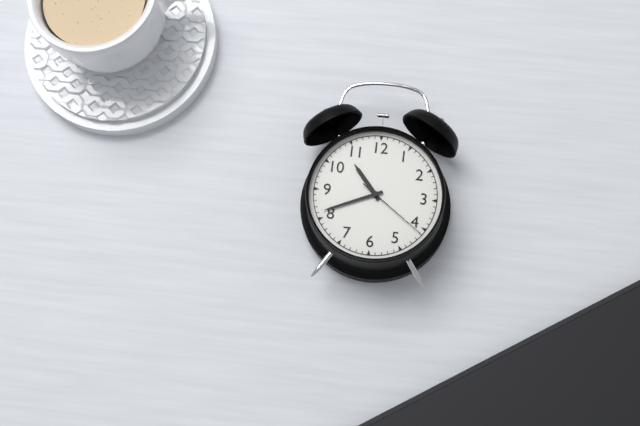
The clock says {"hour": 10, "minute": 41, "second": 21}
